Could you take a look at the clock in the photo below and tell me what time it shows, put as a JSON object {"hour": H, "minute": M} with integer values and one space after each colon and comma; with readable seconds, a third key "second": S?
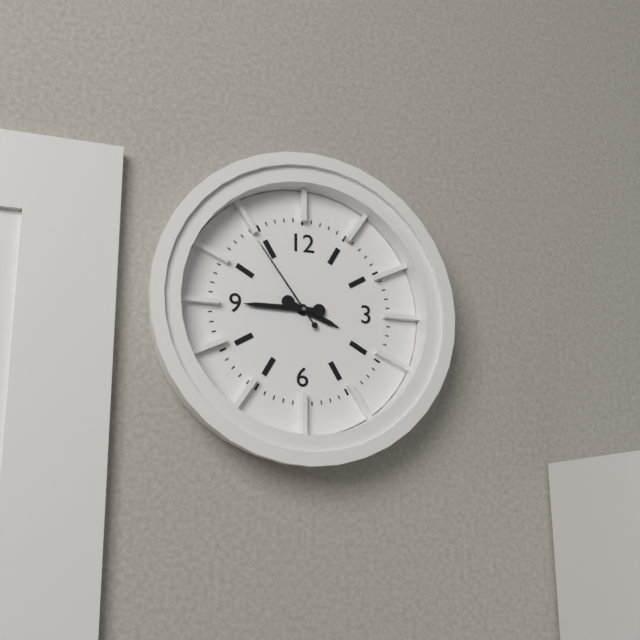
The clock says {"hour": 3, "minute": 45, "second": 54}
